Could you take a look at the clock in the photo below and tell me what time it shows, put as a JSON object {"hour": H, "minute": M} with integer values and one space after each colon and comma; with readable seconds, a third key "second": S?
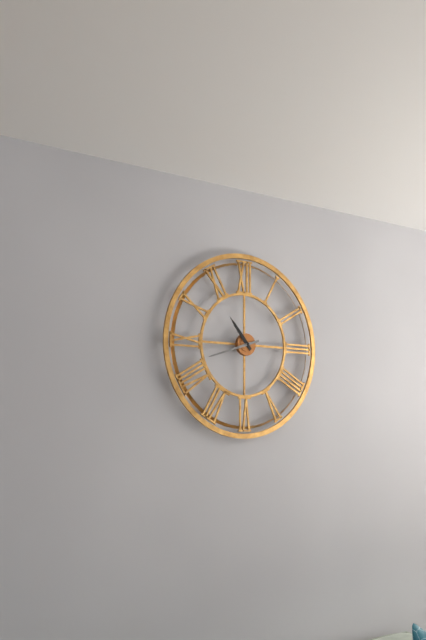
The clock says {"hour": 10, "minute": 42}
